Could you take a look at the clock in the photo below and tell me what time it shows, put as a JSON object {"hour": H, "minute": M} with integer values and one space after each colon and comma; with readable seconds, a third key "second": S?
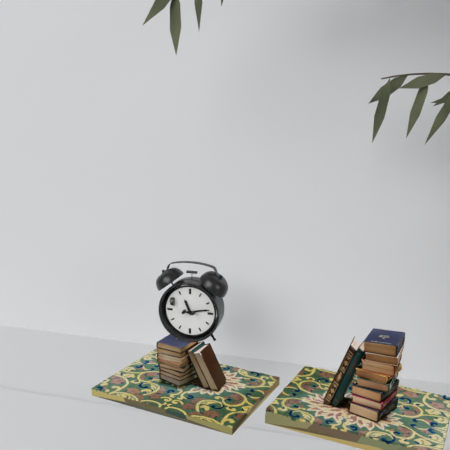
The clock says {"hour": 11, "minute": 13}
